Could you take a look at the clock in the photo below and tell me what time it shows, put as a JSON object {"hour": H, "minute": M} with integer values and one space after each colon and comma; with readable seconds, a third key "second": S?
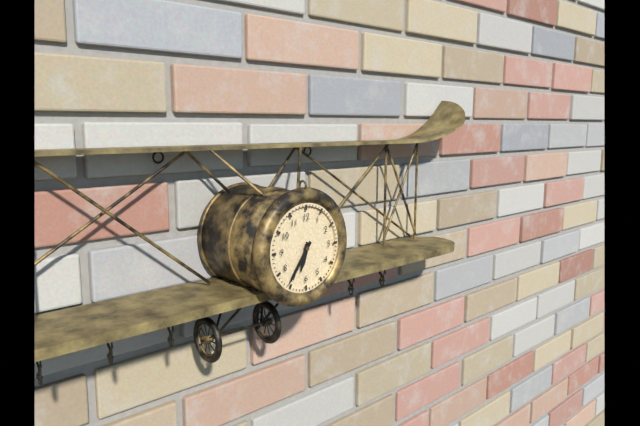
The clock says {"hour": 6, "minute": 36}
